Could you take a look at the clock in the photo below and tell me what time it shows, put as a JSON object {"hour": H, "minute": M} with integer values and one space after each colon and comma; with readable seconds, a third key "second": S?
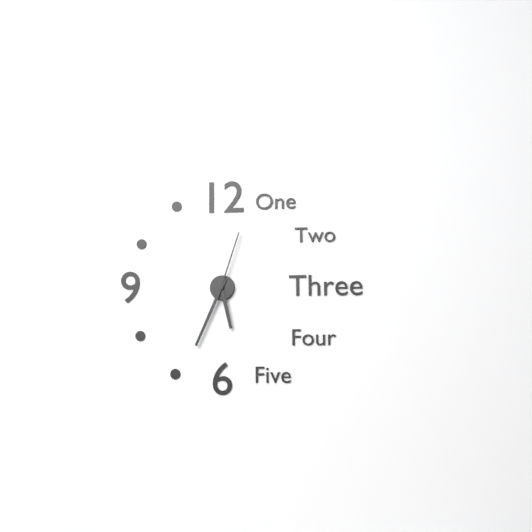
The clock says {"hour": 5, "minute": 34, "second": 3}
